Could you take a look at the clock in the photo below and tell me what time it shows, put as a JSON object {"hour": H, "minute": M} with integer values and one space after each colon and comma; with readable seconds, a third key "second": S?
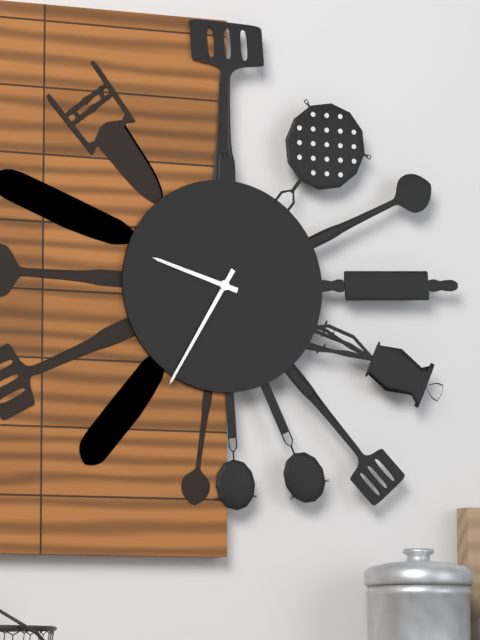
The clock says {"hour": 9, "minute": 35}
